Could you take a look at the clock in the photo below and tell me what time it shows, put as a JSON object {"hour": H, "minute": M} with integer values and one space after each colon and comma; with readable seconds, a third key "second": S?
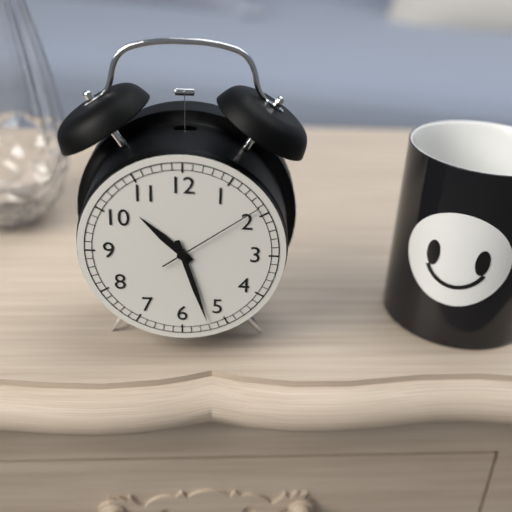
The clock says {"hour": 10, "minute": 27, "second": 9}
